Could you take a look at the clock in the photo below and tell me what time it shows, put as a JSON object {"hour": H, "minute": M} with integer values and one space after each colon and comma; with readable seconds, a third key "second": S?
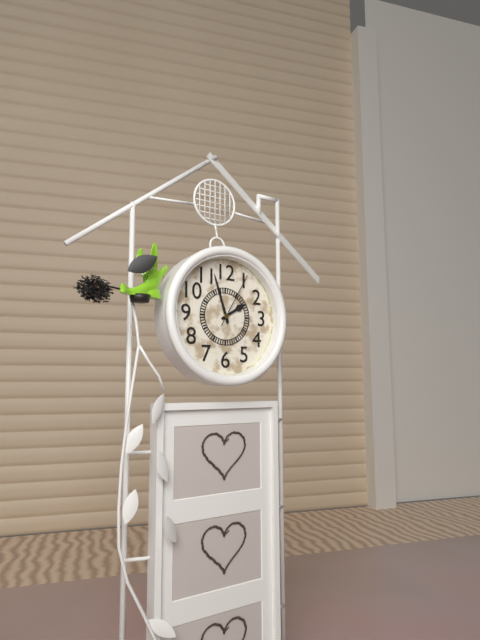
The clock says {"hour": 1, "minute": 57, "second": 5}
